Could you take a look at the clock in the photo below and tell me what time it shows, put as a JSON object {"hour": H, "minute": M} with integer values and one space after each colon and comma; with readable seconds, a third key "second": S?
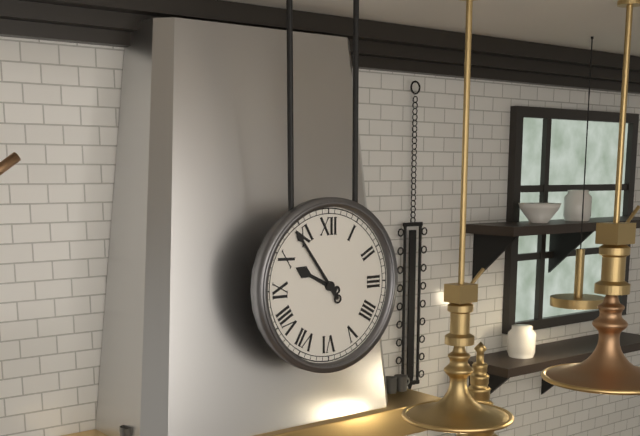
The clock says {"hour": 9, "minute": 54}
